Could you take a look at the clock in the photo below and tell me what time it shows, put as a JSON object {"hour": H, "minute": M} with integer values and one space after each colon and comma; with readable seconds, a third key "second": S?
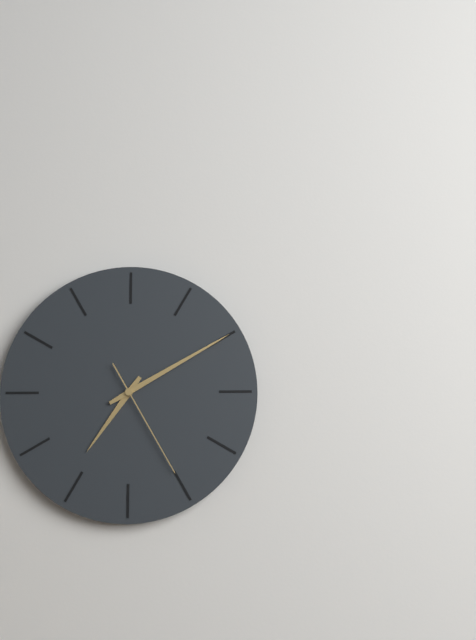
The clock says {"hour": 7, "minute": 10, "second": 25}
